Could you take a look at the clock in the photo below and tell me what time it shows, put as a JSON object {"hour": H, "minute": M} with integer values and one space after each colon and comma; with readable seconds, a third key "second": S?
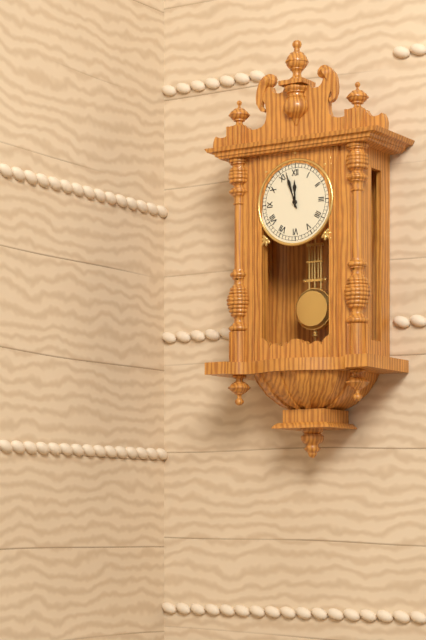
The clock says {"hour": 11, "minute": 57}
